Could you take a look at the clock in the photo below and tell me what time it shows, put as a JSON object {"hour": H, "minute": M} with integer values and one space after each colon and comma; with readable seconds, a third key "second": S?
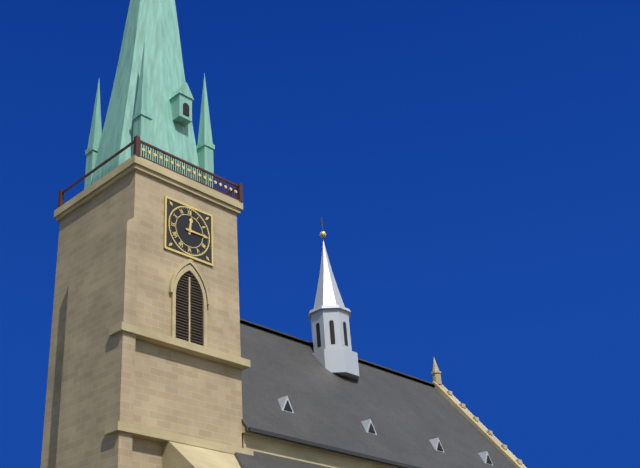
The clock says {"hour": 12, "minute": 15}
